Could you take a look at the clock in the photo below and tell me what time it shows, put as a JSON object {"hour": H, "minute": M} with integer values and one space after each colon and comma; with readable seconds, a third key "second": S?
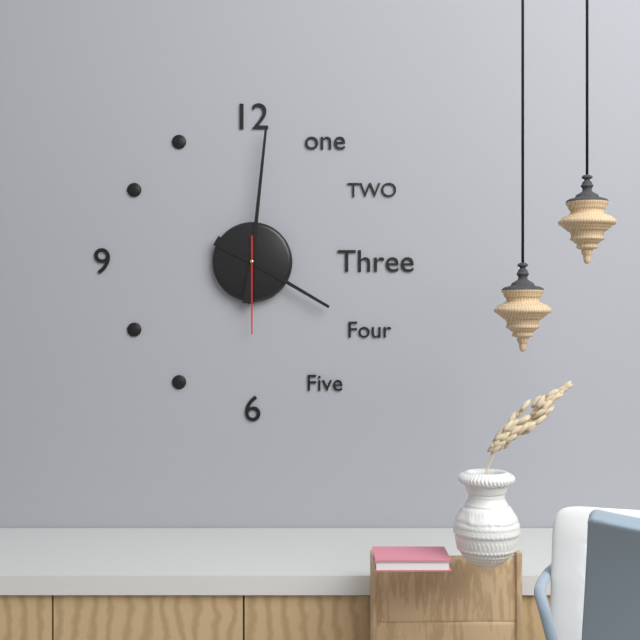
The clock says {"hour": 4, "minute": 1, "second": 30}
